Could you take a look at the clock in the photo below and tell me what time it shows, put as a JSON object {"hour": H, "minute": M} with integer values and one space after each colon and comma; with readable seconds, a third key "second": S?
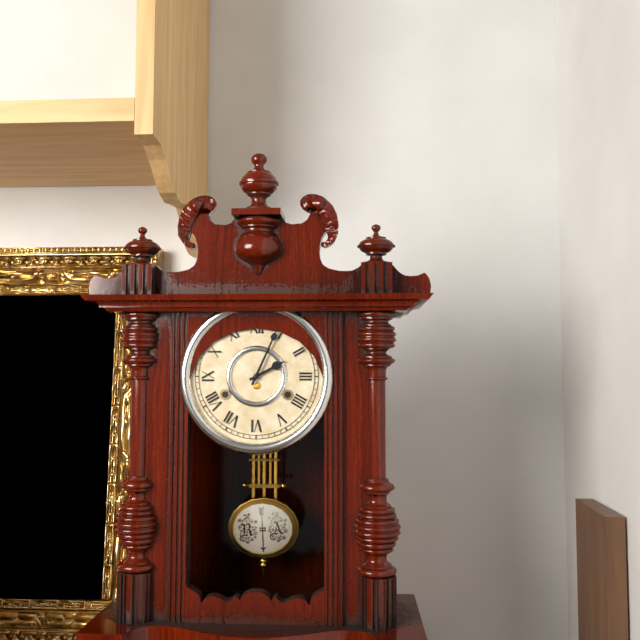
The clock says {"hour": 2, "minute": 4}
